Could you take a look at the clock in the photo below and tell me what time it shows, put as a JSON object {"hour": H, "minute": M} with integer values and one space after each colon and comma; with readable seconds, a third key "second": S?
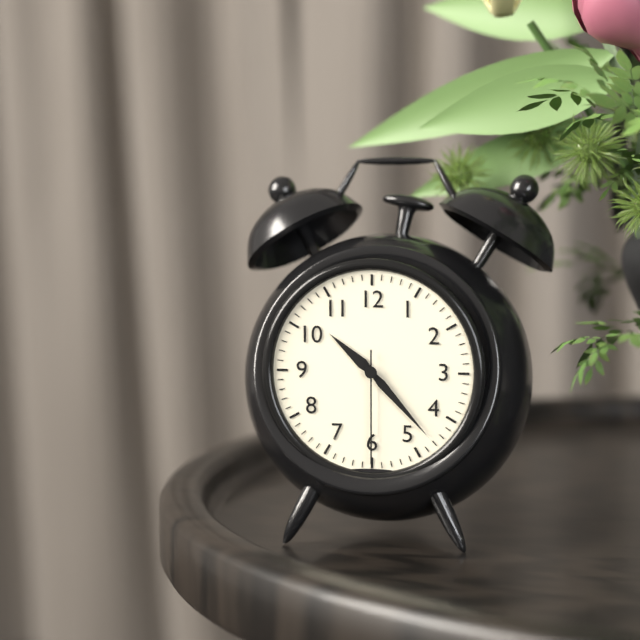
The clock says {"hour": 10, "minute": 23, "second": 30}
